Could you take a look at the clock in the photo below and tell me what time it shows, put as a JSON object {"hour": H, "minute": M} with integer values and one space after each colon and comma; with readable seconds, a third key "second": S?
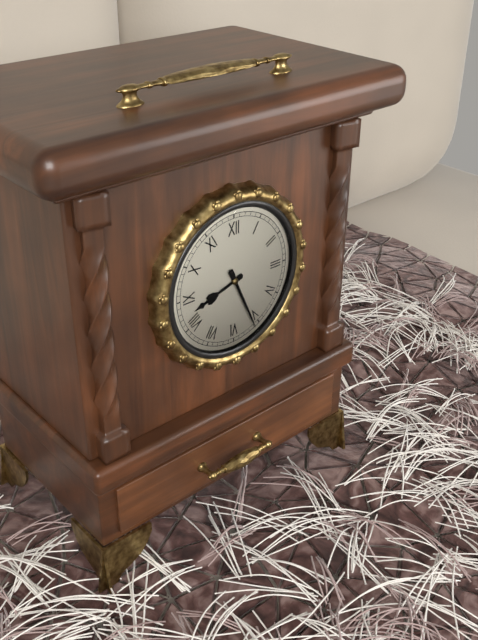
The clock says {"hour": 8, "minute": 26}
